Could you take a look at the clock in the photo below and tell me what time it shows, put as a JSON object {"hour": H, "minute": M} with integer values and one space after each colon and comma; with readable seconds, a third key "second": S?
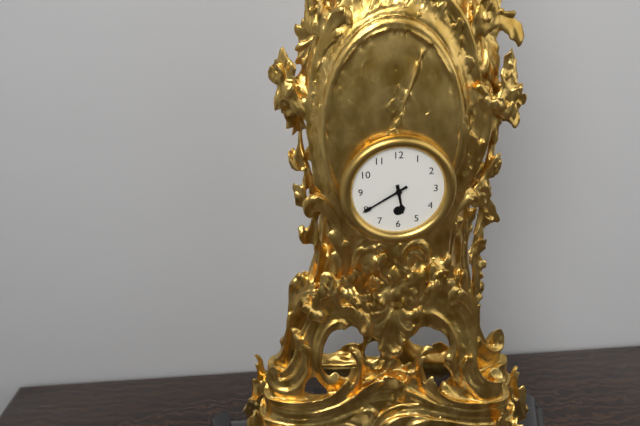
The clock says {"hour": 5, "minute": 40}
